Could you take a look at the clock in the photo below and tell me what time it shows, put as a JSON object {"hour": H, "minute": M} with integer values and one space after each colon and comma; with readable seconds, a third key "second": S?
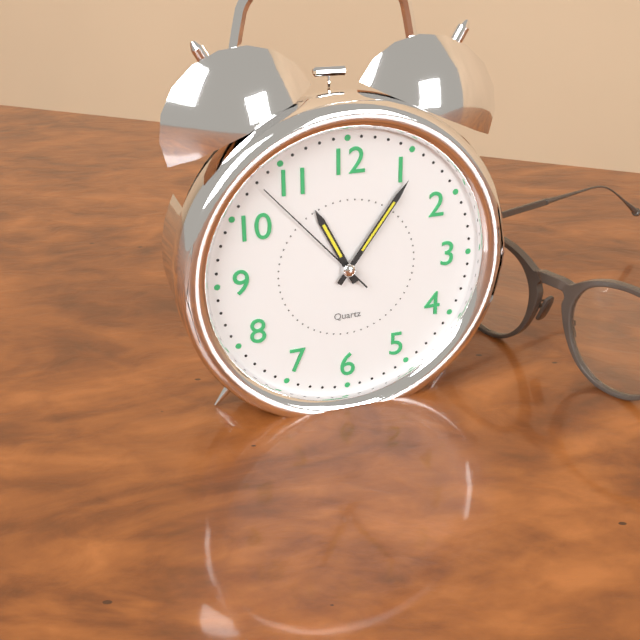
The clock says {"hour": 11, "minute": 6, "second": 53}
